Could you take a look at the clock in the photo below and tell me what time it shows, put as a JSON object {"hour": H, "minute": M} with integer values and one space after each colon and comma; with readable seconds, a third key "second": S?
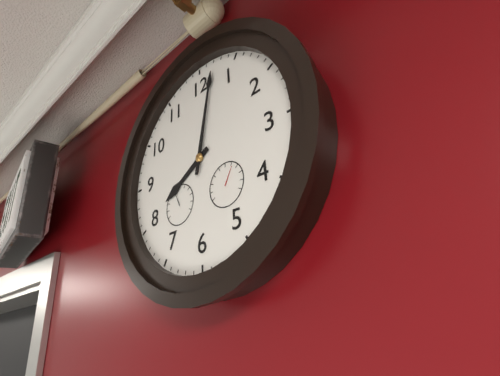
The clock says {"hour": 8, "minute": 2}
